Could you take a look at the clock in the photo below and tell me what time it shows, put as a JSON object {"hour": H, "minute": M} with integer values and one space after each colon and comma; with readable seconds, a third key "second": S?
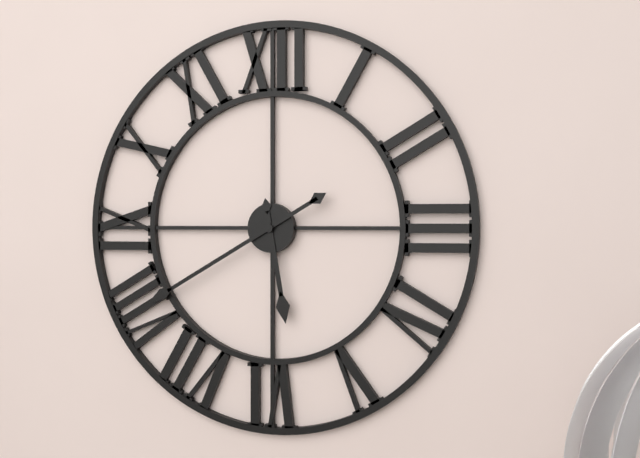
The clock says {"hour": 5, "minute": 40}
